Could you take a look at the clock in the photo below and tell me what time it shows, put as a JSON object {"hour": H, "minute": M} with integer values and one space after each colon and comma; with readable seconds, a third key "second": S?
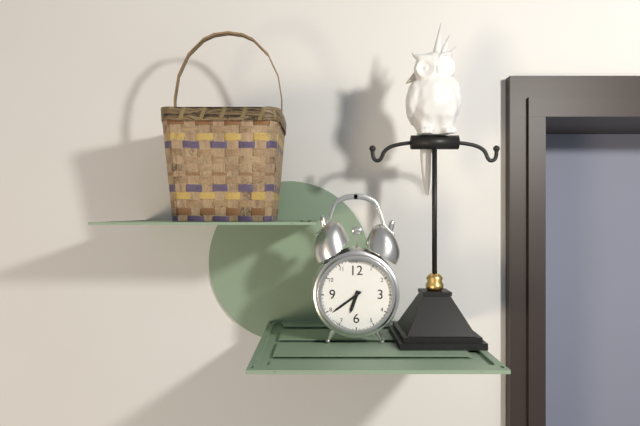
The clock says {"hour": 6, "minute": 39}
